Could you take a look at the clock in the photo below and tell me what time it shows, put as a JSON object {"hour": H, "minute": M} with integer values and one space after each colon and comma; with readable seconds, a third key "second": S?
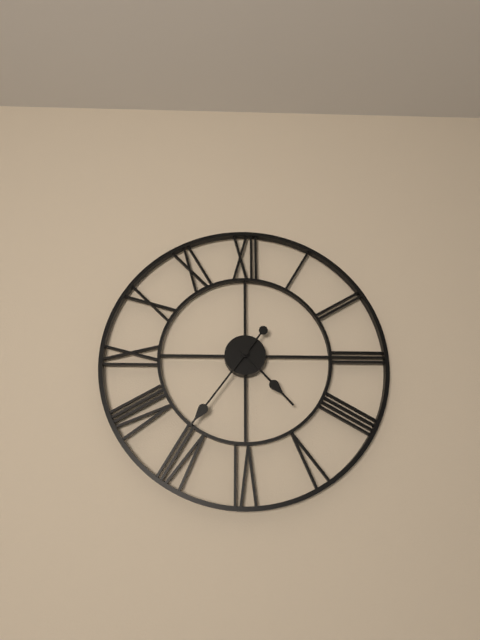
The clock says {"hour": 4, "minute": 36}
